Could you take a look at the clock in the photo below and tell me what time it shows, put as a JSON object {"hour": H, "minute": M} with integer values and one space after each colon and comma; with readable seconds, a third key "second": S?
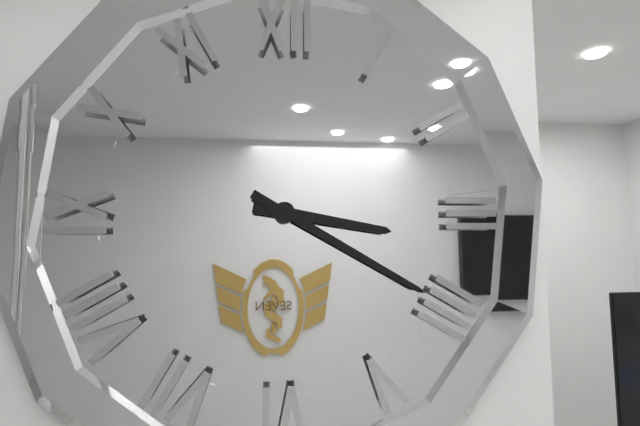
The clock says {"hour": 3, "minute": 20}
